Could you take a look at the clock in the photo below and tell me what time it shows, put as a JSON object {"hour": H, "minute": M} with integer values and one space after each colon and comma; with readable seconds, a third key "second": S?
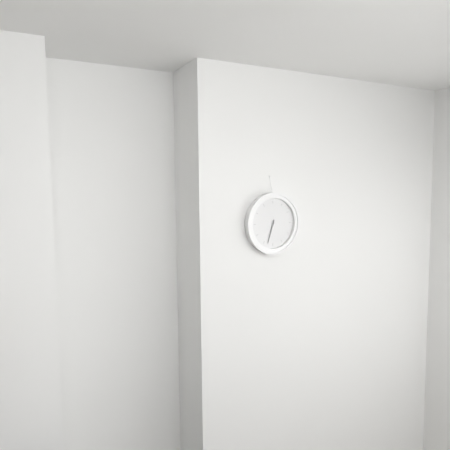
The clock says {"hour": 6, "minute": 33}
